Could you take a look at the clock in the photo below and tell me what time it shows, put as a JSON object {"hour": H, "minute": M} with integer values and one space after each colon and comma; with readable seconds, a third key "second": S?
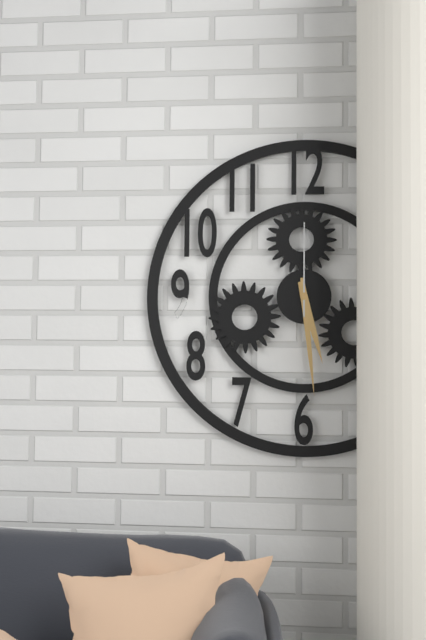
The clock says {"hour": 5, "minute": 29, "second": 0}
